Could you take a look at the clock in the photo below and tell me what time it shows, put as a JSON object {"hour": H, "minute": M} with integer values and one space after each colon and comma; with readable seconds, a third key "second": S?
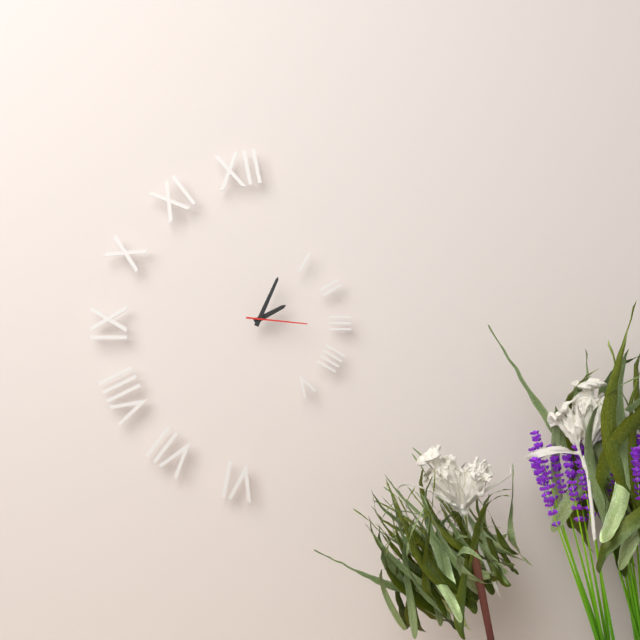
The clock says {"hour": 2, "minute": 4, "second": 16}
